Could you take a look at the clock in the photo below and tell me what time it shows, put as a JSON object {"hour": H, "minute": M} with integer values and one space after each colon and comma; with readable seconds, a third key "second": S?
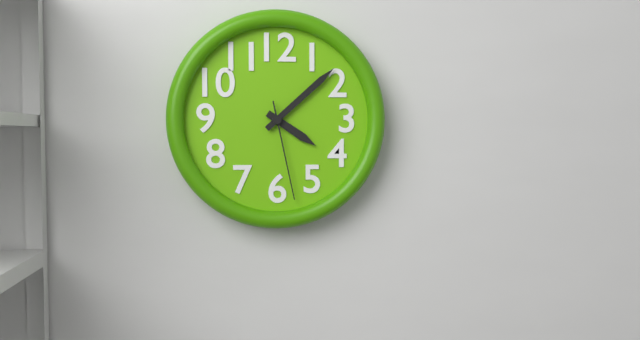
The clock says {"hour": 4, "minute": 8, "second": 28}
